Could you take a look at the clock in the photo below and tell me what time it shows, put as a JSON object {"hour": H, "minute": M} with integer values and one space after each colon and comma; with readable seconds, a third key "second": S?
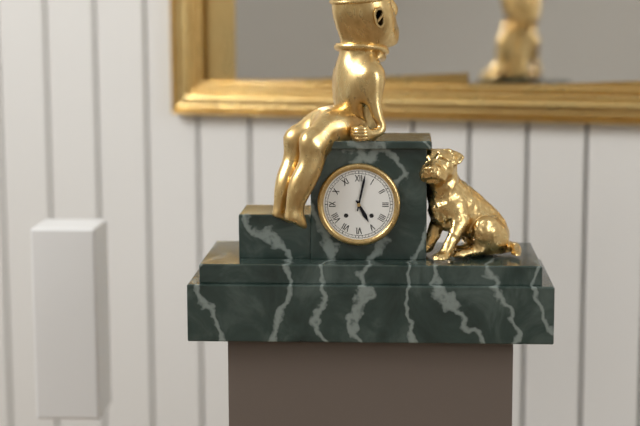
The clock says {"hour": 5, "minute": 2}
